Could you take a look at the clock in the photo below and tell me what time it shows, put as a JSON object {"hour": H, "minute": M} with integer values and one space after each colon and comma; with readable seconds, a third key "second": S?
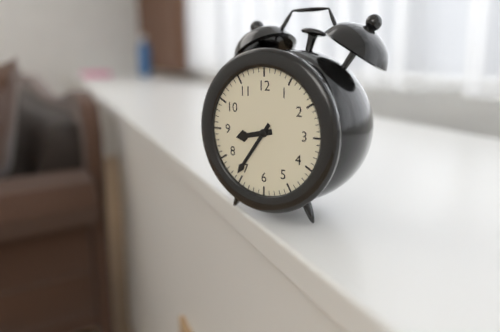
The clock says {"hour": 8, "minute": 36}
